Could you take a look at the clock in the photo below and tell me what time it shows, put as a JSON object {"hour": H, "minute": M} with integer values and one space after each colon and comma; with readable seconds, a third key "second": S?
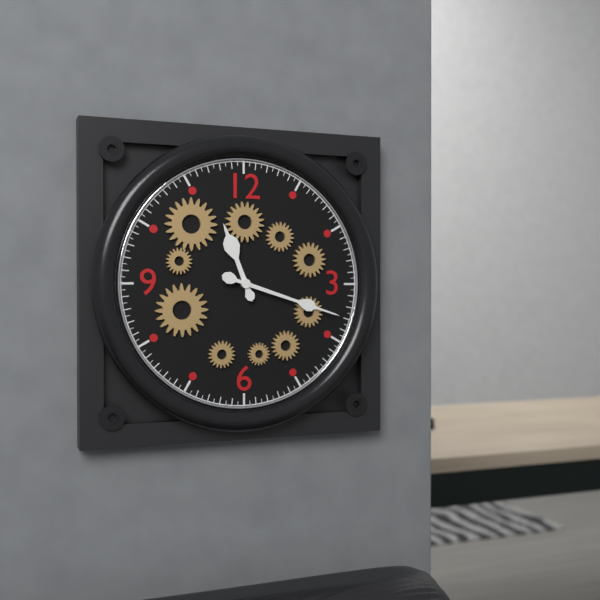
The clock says {"hour": 11, "minute": 18}
